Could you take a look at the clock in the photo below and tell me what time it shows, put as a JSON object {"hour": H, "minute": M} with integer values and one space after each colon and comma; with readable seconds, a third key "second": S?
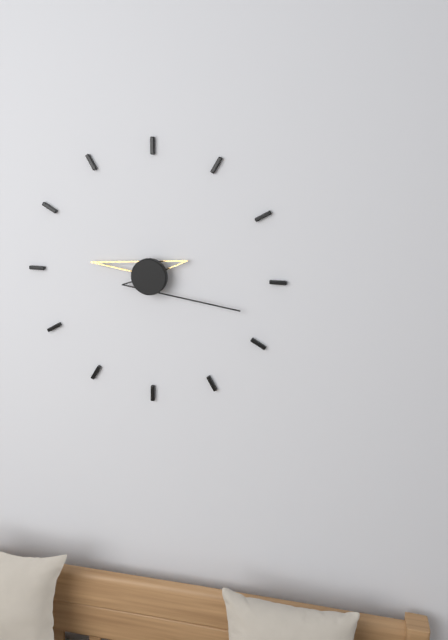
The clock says {"hour": 9, "minute": 18}
